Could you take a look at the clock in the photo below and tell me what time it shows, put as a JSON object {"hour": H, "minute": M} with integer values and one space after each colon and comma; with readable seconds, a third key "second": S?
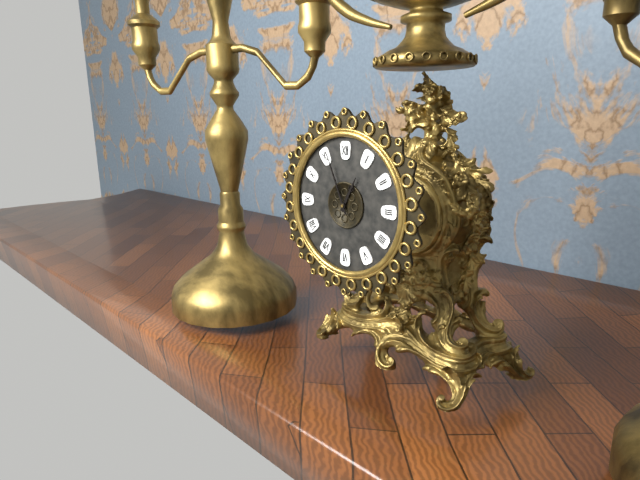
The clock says {"hour": 12, "minute": 56}
